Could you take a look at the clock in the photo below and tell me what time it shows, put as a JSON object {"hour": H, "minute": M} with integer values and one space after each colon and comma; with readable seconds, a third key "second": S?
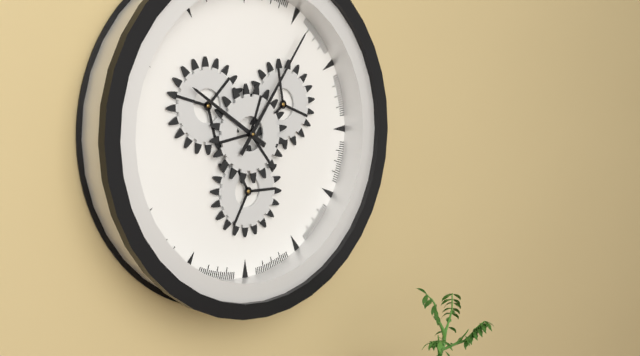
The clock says {"hour": 10, "minute": 6}
